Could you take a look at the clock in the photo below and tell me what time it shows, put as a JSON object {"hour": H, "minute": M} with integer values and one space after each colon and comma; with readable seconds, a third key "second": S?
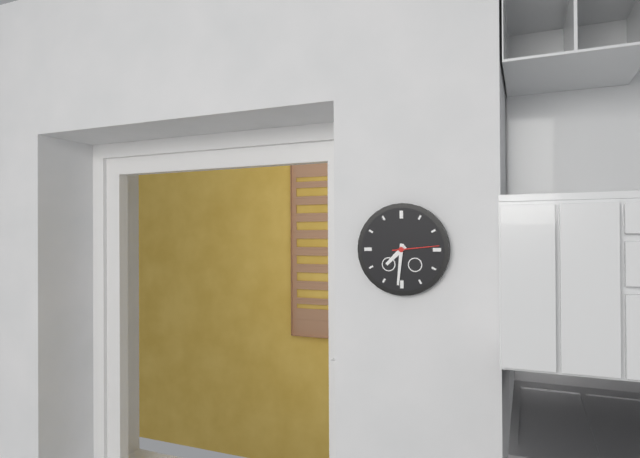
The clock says {"hour": 7, "minute": 31}
